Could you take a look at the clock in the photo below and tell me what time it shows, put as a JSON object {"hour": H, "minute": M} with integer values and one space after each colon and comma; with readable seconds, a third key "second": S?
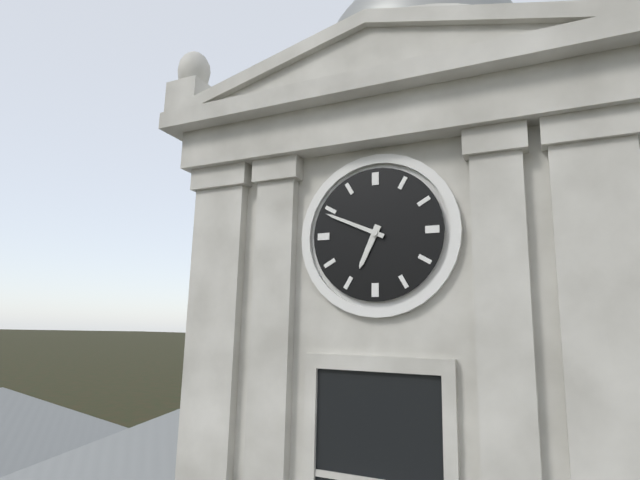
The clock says {"hour": 6, "minute": 49}
